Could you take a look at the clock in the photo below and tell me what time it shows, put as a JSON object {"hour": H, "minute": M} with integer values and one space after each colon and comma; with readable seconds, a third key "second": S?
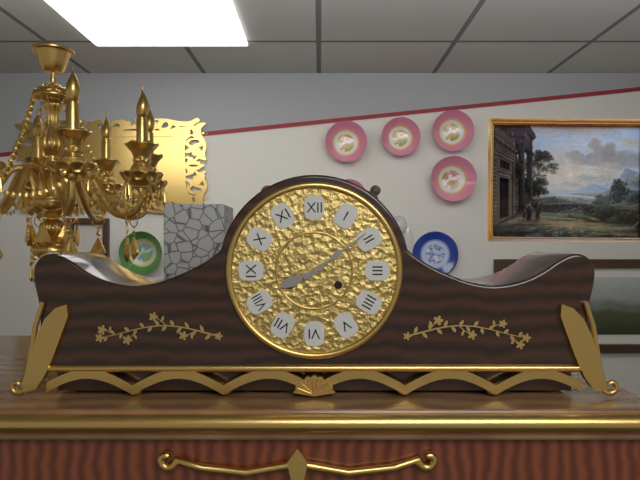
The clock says {"hour": 8, "minute": 9}
